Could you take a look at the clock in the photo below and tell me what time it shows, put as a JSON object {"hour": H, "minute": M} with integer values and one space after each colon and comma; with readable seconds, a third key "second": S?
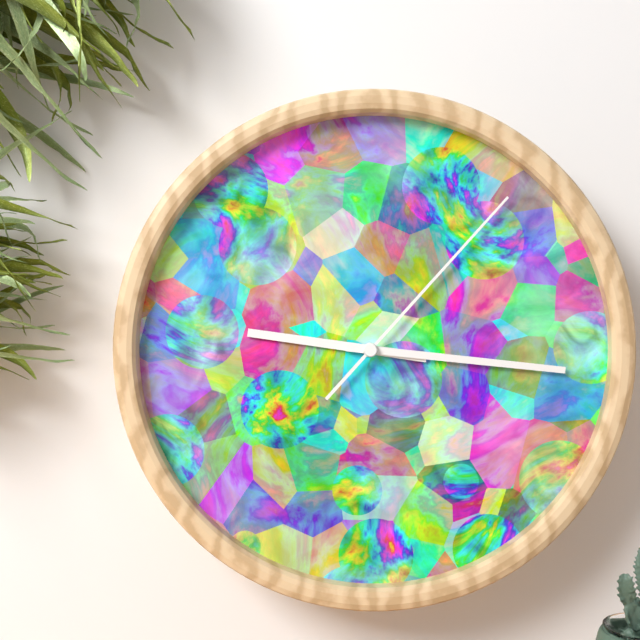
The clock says {"hour": 9, "minute": 16, "second": 7}
